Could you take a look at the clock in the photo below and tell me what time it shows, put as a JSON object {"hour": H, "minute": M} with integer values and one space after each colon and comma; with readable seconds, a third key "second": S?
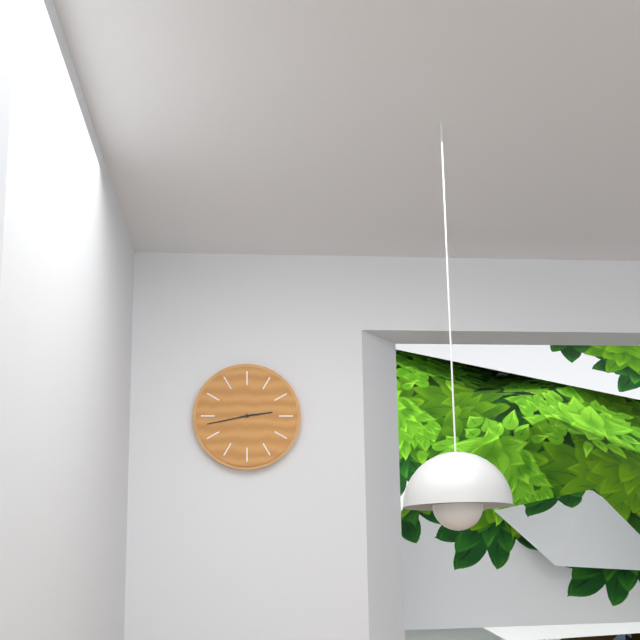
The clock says {"hour": 2, "minute": 43}
